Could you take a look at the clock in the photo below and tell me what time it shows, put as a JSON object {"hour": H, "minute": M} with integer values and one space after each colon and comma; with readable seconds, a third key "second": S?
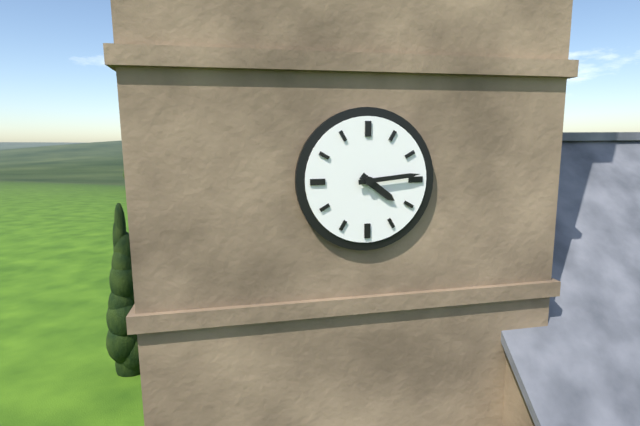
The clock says {"hour": 4, "minute": 14}
